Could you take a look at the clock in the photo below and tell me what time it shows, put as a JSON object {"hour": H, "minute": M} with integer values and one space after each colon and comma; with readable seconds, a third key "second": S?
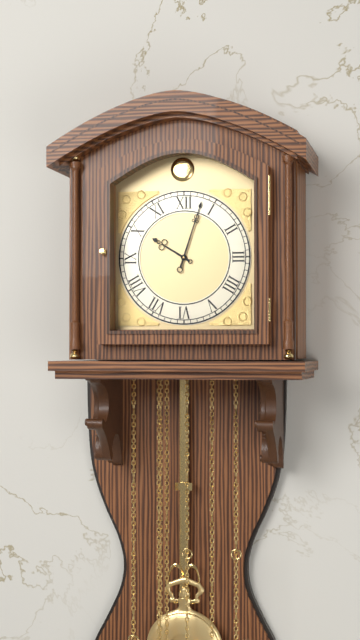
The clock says {"hour": 10, "minute": 3}
